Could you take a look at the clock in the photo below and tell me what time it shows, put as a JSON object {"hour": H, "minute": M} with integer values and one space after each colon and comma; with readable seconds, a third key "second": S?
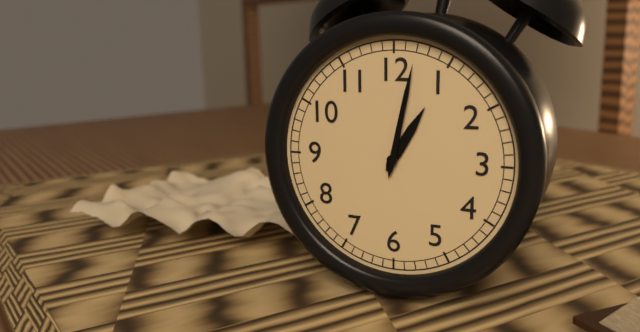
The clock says {"hour": 1, "minute": 2}
